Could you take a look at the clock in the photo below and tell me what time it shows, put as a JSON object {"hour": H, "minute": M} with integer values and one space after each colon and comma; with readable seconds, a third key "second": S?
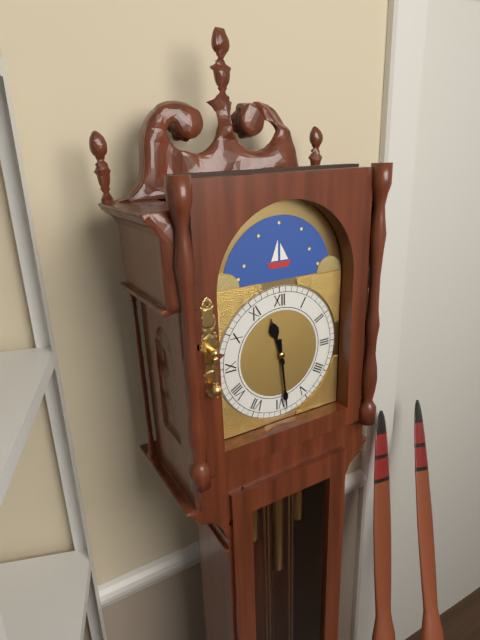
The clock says {"hour": 11, "minute": 29}
